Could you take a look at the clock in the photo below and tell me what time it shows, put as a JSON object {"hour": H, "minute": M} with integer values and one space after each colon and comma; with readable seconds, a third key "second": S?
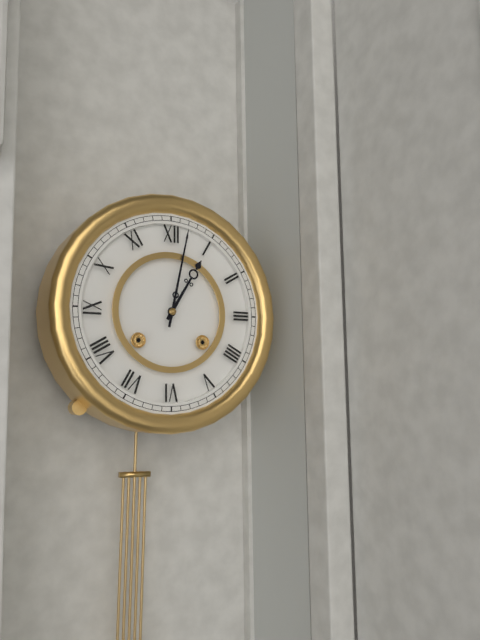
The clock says {"hour": 1, "minute": 2}
